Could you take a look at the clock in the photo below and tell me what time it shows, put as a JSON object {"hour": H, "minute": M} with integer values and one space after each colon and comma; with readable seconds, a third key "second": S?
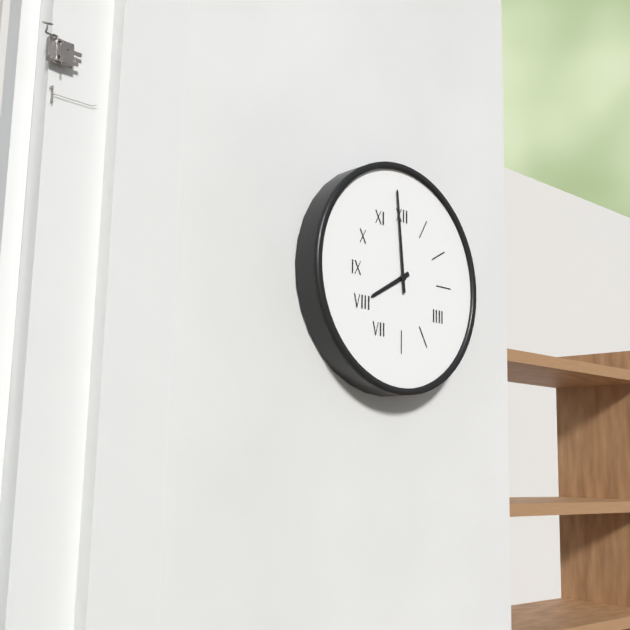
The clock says {"hour": 7, "minute": 59}
